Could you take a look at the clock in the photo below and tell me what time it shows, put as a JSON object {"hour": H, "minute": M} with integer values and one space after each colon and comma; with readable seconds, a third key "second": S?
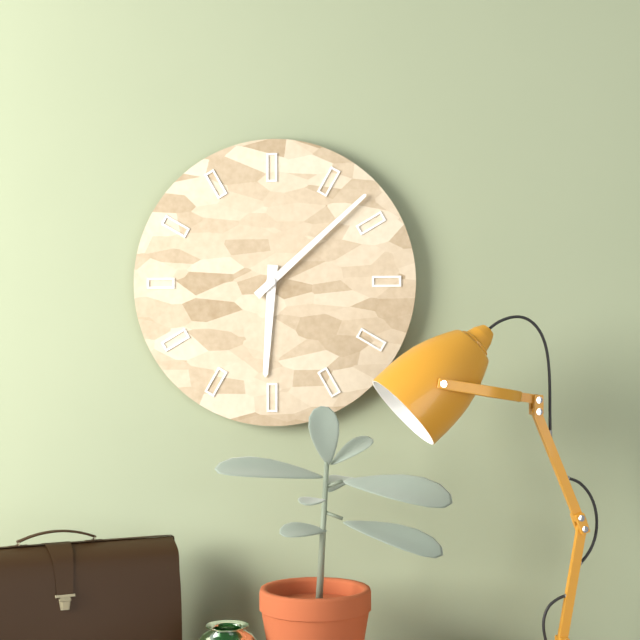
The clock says {"hour": 6, "minute": 8}
